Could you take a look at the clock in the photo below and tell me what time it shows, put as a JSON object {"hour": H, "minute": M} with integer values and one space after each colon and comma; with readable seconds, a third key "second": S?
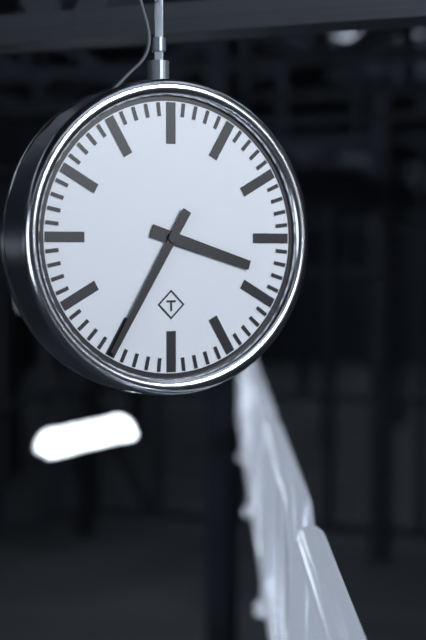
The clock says {"hour": 3, "minute": 35}
